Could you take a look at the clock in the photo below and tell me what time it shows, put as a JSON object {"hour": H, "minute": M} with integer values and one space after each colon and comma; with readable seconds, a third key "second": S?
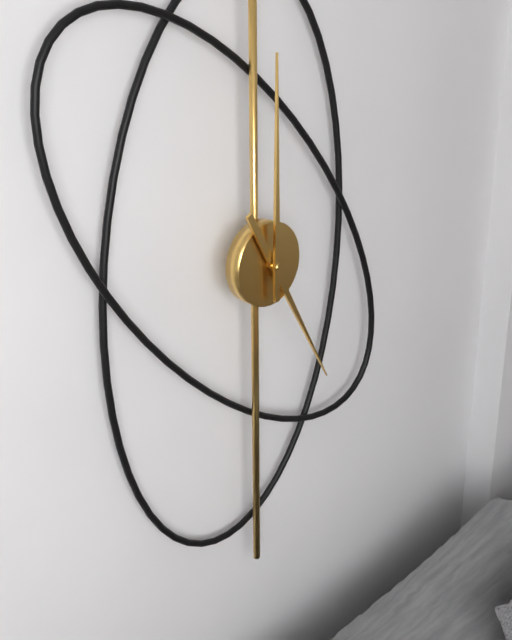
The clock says {"hour": 5, "minute": 0}
